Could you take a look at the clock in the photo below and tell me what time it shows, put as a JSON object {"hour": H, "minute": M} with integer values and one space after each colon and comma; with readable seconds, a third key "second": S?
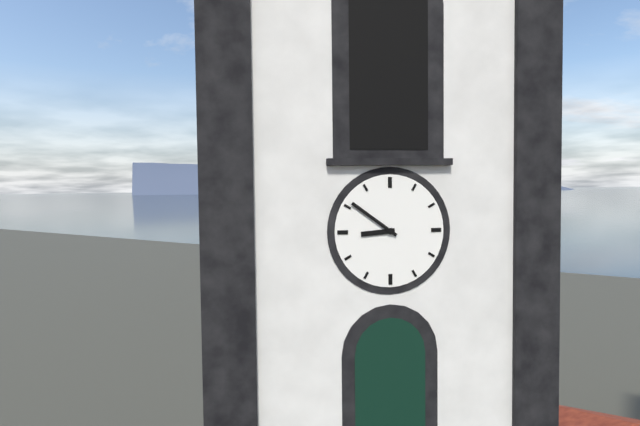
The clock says {"hour": 8, "minute": 51}
